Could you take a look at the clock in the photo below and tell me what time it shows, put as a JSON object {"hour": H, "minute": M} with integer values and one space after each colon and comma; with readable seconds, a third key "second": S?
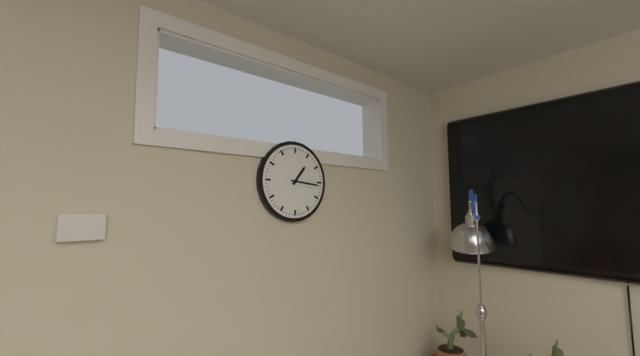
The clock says {"hour": 1, "minute": 16}
